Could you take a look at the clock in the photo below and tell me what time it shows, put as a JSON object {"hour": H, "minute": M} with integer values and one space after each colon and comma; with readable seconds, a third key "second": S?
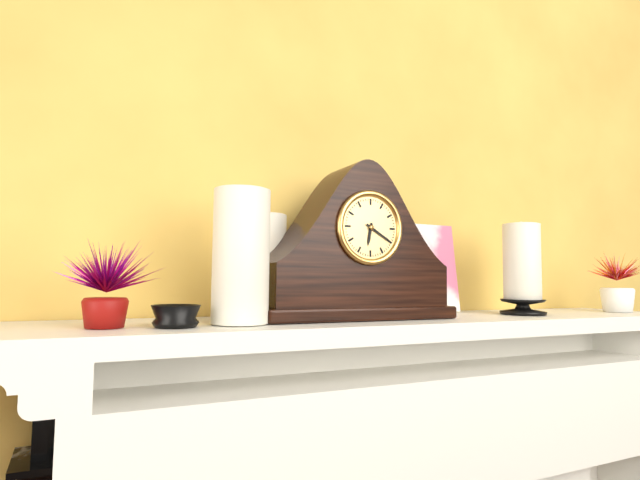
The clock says {"hour": 6, "minute": 20}
